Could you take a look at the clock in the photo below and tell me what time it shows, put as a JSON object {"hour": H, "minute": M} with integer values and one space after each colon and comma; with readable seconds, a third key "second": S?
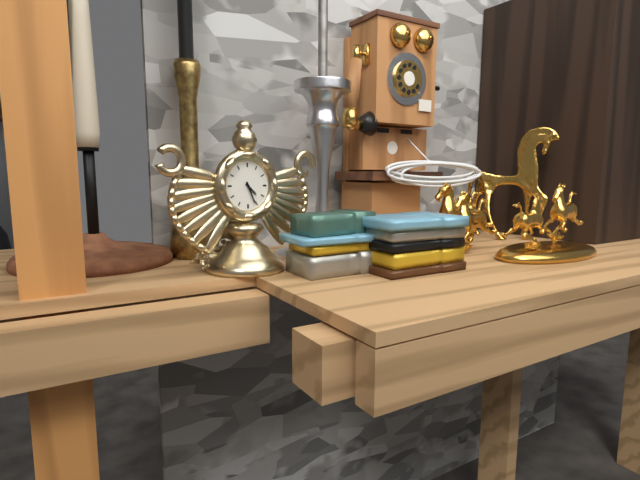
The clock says {"hour": 4, "minute": 26}
